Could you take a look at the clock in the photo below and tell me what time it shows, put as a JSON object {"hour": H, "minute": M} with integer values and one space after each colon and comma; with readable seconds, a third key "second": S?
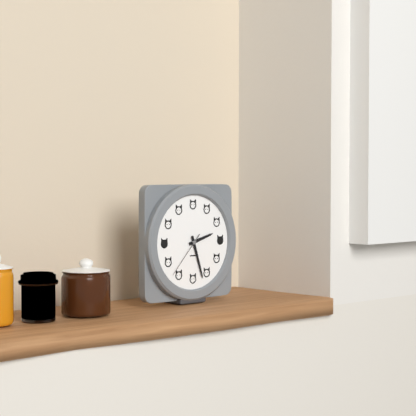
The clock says {"hour": 2, "minute": 27}
